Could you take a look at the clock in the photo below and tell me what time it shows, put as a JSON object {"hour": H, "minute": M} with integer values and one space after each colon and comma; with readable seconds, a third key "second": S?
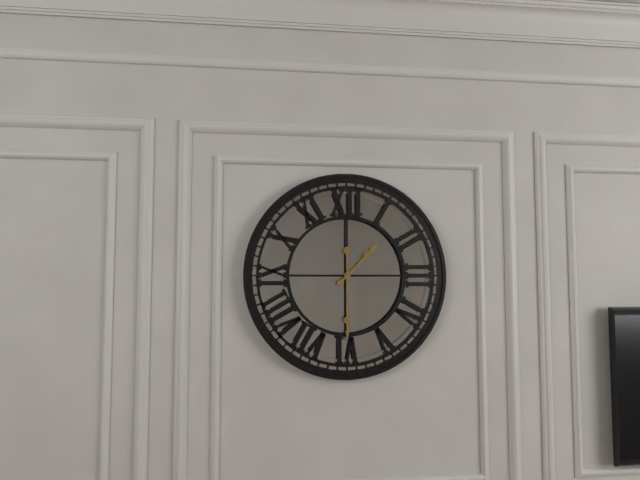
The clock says {"hour": 1, "minute": 30}
